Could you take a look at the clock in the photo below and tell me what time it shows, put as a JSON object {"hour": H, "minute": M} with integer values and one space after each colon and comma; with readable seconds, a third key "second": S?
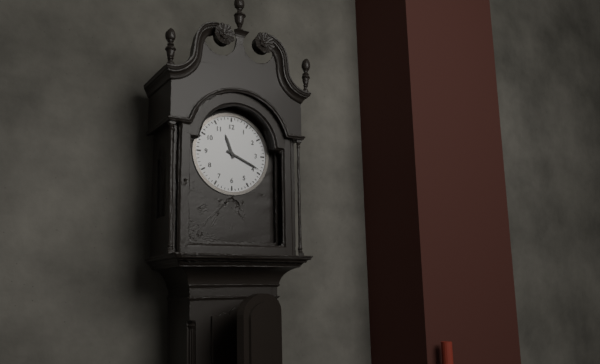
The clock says {"hour": 11, "minute": 19}
